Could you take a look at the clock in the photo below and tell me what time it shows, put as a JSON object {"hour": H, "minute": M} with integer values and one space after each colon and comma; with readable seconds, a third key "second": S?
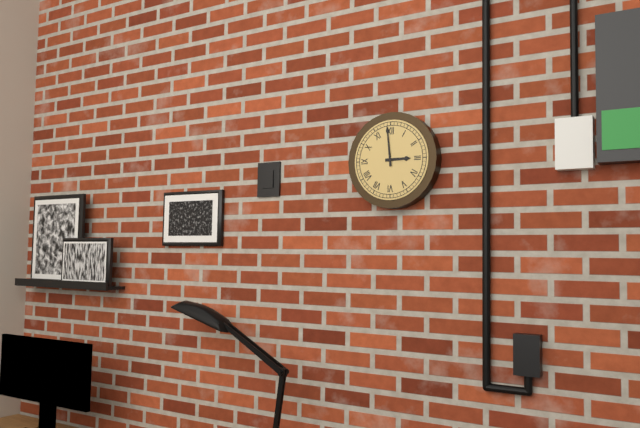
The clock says {"hour": 2, "minute": 59}
